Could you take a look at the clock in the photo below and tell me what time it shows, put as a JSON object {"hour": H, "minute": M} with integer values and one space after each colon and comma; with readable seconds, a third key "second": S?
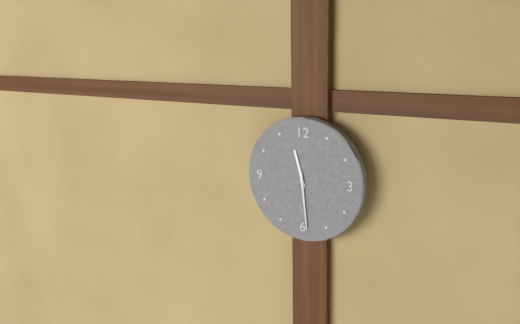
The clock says {"hour": 11, "minute": 29}
